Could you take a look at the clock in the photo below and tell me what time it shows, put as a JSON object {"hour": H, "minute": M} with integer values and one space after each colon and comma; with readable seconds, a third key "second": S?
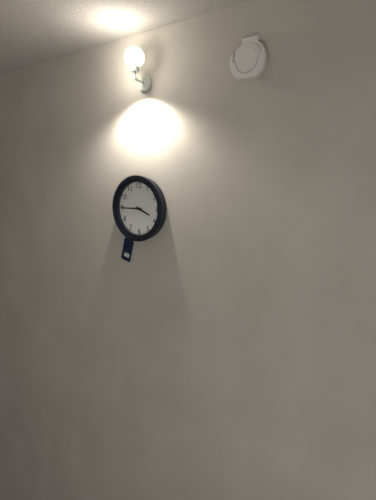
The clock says {"hour": 3, "minute": 45}
